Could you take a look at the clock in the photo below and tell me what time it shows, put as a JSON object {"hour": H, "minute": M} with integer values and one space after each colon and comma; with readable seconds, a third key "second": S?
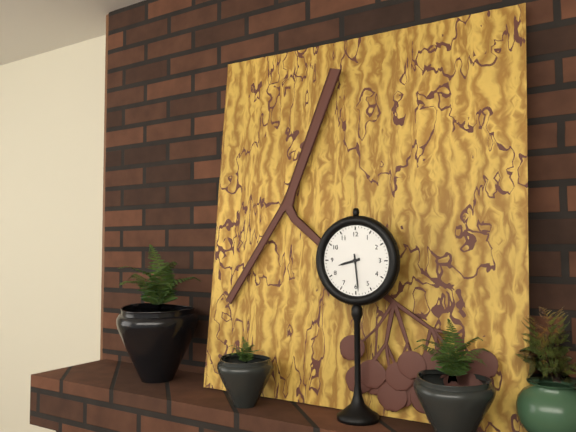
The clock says {"hour": 8, "minute": 29}
